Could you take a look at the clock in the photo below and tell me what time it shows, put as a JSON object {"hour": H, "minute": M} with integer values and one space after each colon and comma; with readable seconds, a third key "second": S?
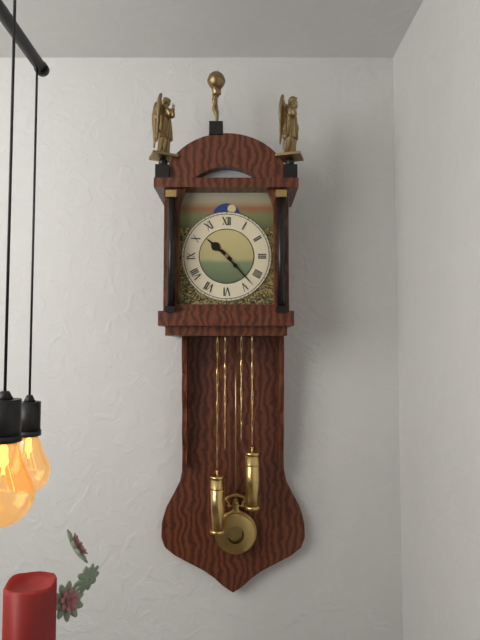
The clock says {"hour": 10, "minute": 23}
